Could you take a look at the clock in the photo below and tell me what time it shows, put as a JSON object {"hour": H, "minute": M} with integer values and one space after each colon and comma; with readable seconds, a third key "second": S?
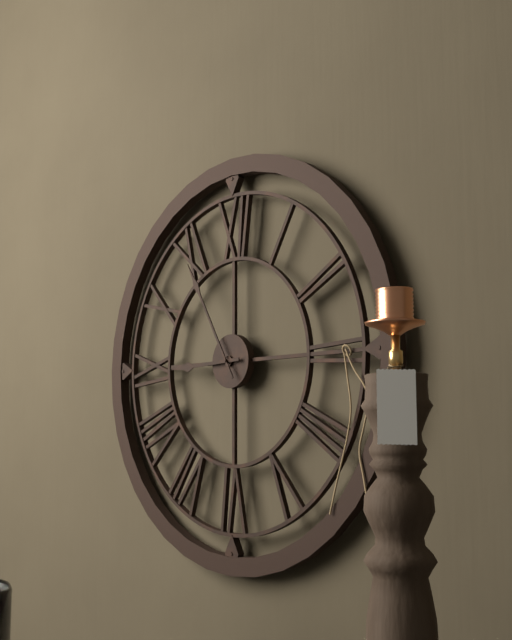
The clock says {"hour": 8, "minute": 55}
